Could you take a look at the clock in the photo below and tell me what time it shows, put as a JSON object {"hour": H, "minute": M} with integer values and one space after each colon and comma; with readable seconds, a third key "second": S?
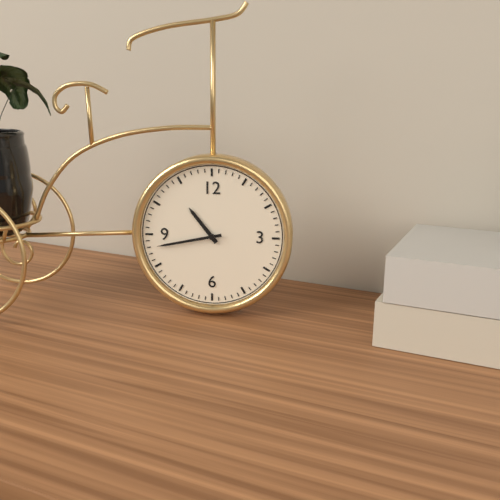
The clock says {"hour": 10, "minute": 43}
